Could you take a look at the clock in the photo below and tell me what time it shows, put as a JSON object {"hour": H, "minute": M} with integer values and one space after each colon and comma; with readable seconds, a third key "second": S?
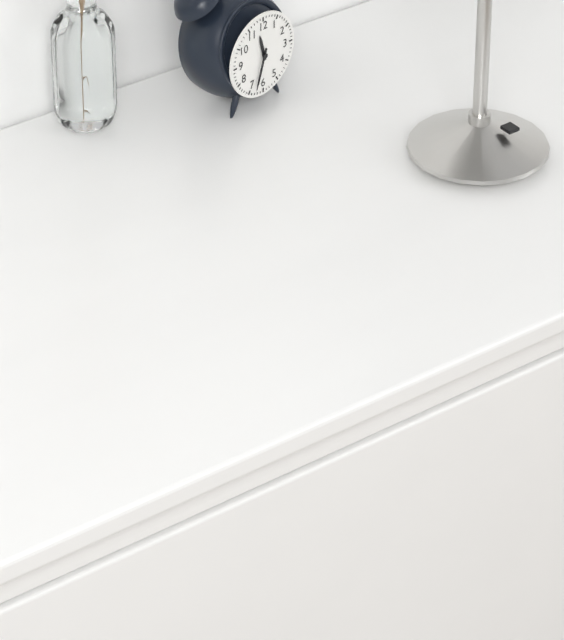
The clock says {"hour": 11, "minute": 33}
